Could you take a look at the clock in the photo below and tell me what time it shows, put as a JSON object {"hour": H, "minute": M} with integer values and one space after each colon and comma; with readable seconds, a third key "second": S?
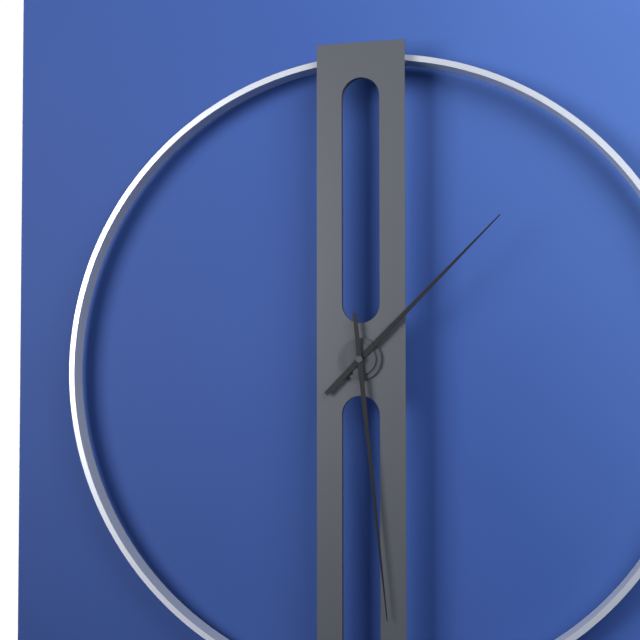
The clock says {"hour": 1, "minute": 29}
